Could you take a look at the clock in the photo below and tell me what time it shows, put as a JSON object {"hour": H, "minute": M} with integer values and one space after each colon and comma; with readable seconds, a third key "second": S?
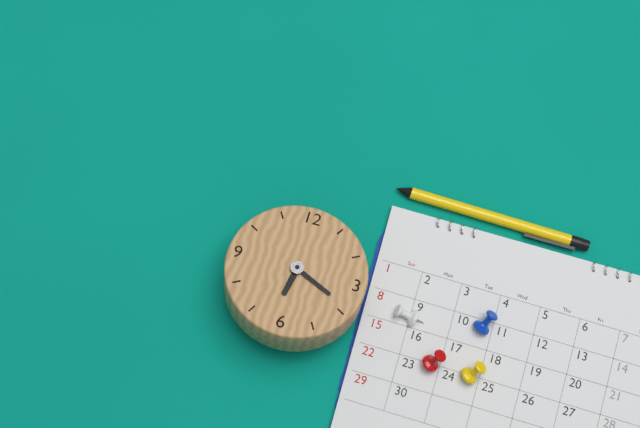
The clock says {"hour": 6, "minute": 19}
